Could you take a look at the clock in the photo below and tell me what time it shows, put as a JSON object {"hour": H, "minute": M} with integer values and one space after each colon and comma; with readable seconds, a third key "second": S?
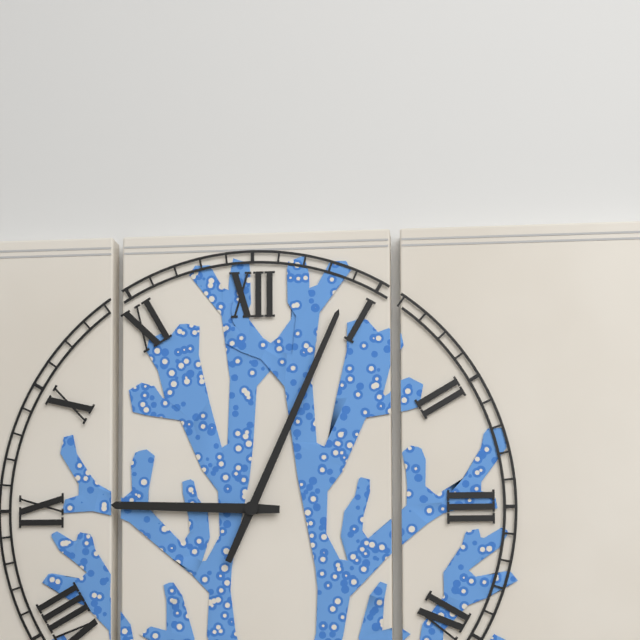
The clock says {"hour": 9, "minute": 4}
